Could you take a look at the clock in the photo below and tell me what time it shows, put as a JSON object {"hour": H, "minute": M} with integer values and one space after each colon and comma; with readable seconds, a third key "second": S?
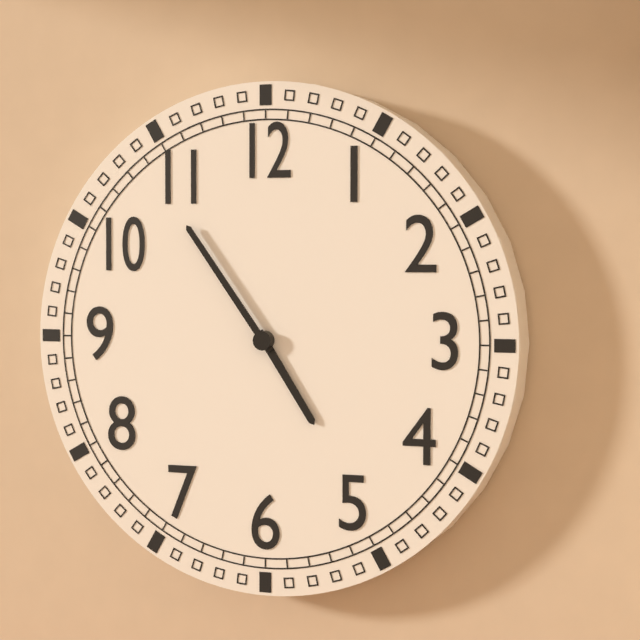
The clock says {"hour": 4, "minute": 54}
